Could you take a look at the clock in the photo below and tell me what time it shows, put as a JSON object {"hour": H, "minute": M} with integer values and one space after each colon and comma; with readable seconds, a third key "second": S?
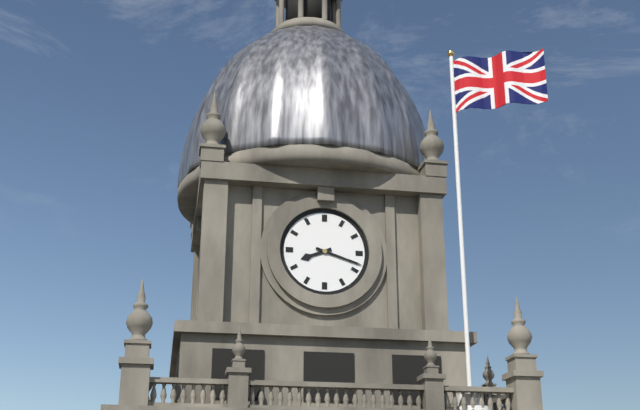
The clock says {"hour": 8, "minute": 18}
